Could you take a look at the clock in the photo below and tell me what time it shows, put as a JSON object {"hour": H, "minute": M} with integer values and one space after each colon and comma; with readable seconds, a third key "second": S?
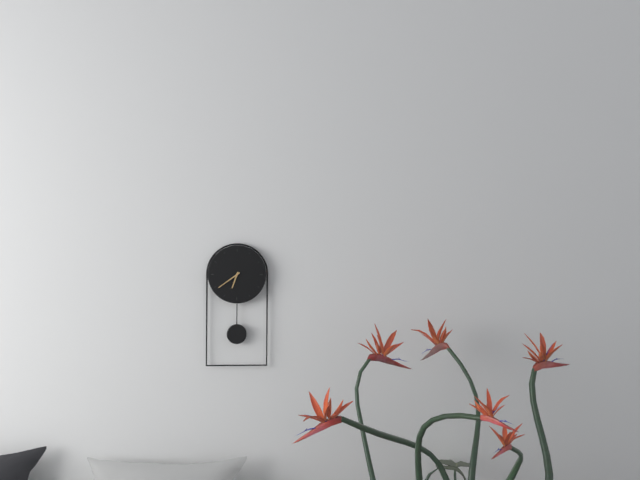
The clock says {"hour": 6, "minute": 39}
